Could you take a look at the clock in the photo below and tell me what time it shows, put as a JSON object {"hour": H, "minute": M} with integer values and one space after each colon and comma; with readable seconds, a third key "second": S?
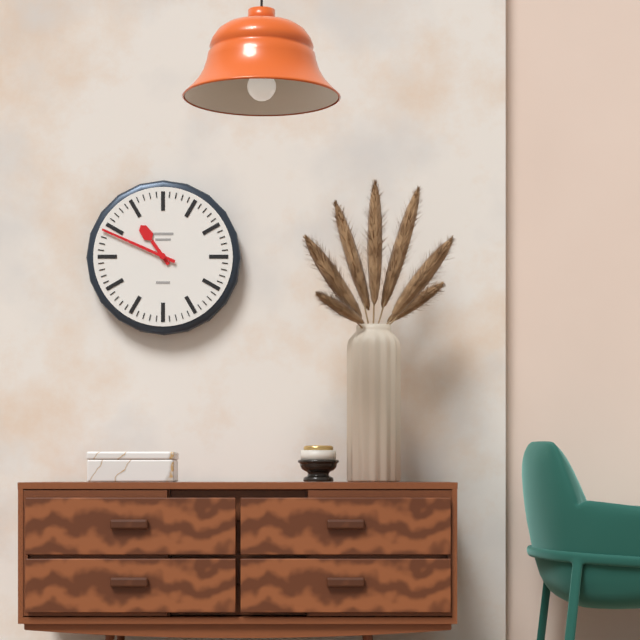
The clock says {"hour": 10, "minute": 49}
